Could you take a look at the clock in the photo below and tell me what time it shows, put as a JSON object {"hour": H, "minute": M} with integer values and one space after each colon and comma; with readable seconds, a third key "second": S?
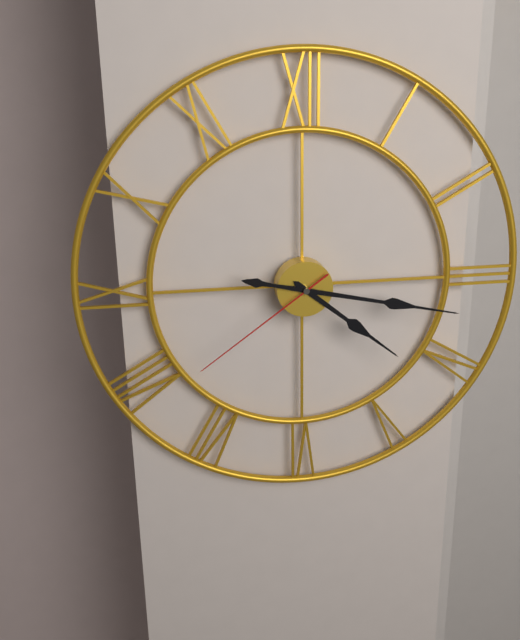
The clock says {"hour": 4, "minute": 17, "second": 39}
